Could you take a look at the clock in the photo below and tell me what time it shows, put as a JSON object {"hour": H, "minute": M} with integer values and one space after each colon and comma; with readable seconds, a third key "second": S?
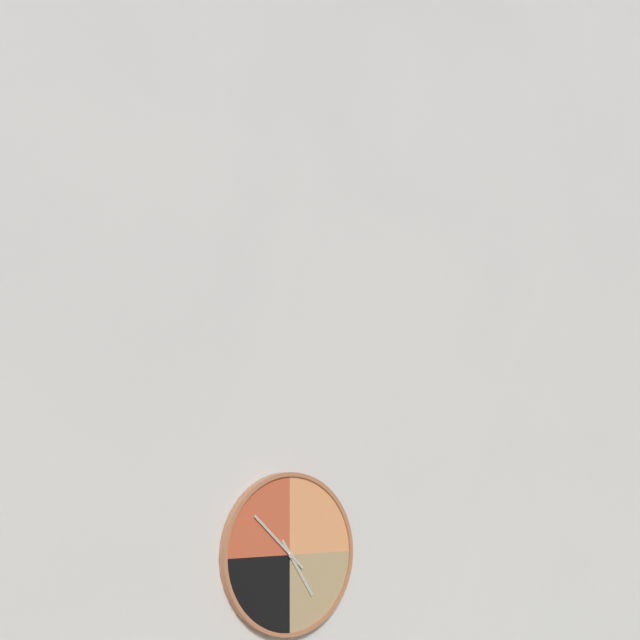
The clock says {"hour": 4, "minute": 52}
